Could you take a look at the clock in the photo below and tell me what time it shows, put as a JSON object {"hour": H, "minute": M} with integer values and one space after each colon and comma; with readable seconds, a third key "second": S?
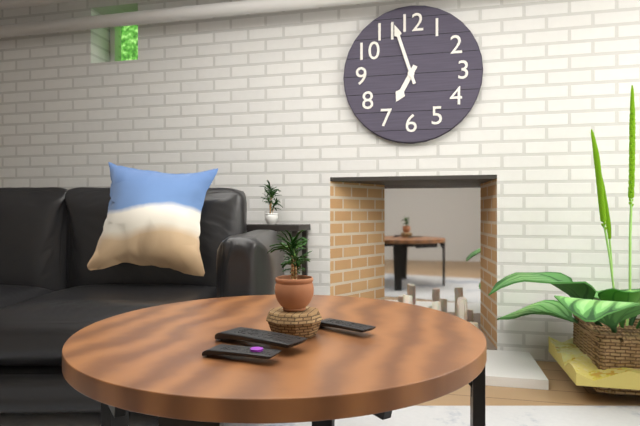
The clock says {"hour": 6, "minute": 57}
